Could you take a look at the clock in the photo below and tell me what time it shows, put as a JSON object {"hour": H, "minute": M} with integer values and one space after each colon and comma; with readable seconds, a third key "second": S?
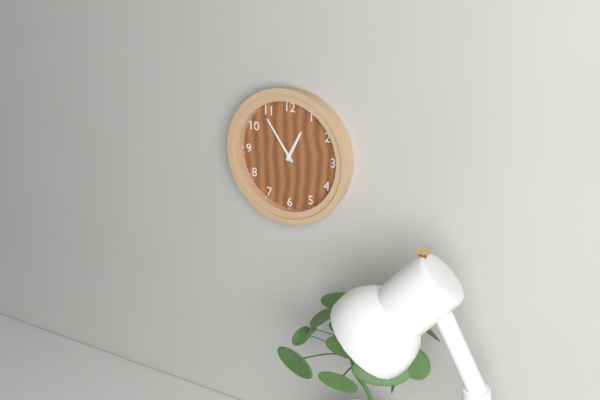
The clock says {"hour": 12, "minute": 54}
